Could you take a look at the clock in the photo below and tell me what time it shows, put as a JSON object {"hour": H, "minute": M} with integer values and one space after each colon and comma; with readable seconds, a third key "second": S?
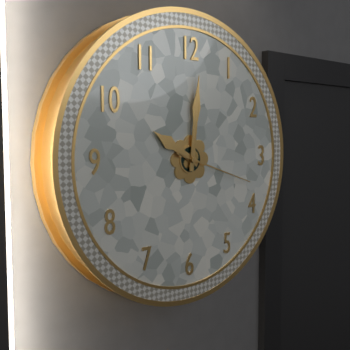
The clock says {"hour": 10, "minute": 1, "second": 18}
